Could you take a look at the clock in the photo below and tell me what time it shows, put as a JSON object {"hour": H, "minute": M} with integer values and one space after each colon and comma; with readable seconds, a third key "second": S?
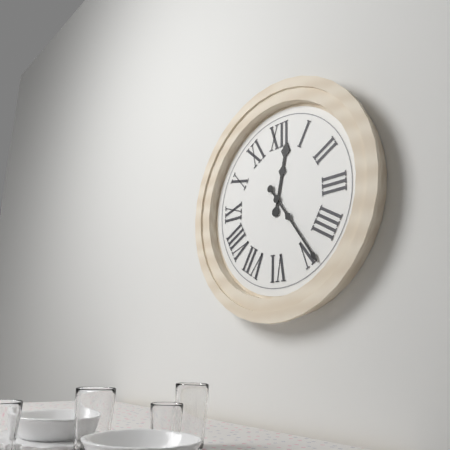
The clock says {"hour": 12, "minute": 24}
